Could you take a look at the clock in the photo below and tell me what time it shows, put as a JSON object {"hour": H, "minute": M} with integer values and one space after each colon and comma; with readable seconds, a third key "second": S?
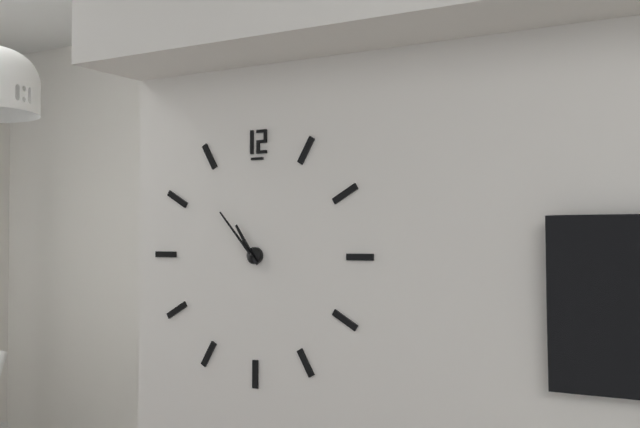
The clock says {"hour": 10, "minute": 53}
